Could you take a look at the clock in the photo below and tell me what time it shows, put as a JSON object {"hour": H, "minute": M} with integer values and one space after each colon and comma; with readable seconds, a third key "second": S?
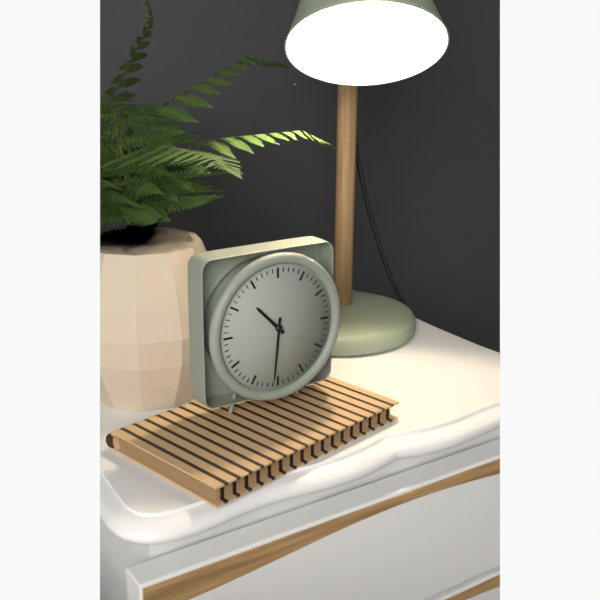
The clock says {"hour": 10, "minute": 31}
